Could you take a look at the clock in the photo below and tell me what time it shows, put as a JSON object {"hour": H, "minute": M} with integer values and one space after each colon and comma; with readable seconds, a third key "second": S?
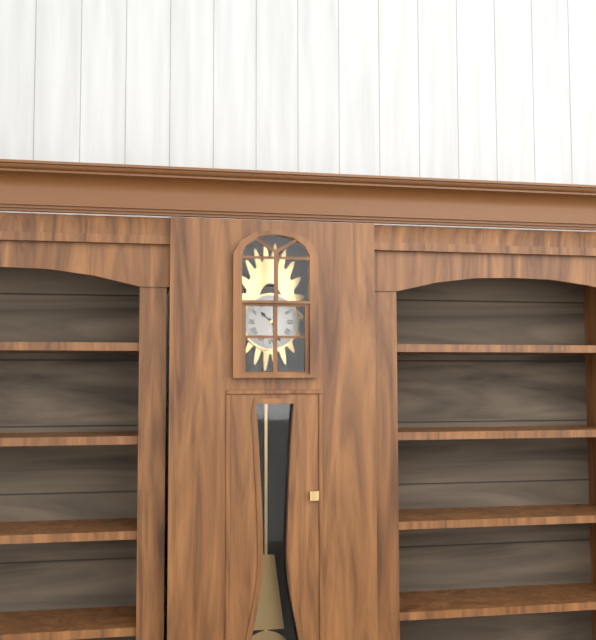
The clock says {"hour": 10, "minute": 26}
